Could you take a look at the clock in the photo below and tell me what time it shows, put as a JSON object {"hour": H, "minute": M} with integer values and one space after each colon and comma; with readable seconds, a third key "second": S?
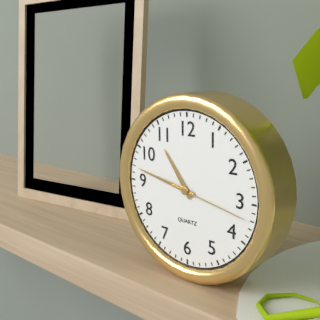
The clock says {"hour": 10, "minute": 47, "second": 17}
